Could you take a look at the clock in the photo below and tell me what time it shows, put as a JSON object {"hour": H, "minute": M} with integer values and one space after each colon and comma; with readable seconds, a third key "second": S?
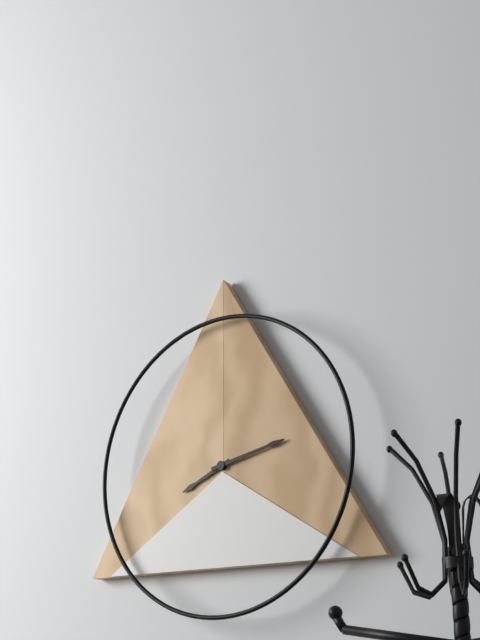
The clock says {"hour": 8, "minute": 13}
